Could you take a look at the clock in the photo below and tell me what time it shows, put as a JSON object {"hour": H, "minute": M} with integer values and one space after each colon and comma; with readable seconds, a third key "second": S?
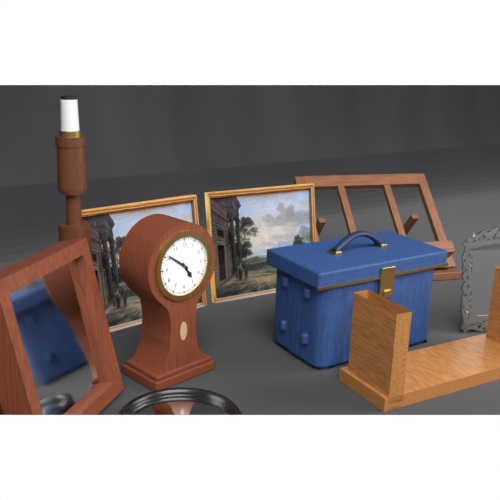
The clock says {"hour": 4, "minute": 51}
